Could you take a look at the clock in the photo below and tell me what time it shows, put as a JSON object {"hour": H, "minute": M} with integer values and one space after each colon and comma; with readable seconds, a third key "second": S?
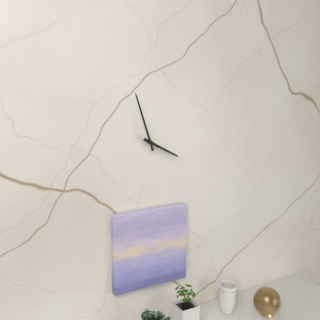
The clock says {"hour": 3, "minute": 57}
